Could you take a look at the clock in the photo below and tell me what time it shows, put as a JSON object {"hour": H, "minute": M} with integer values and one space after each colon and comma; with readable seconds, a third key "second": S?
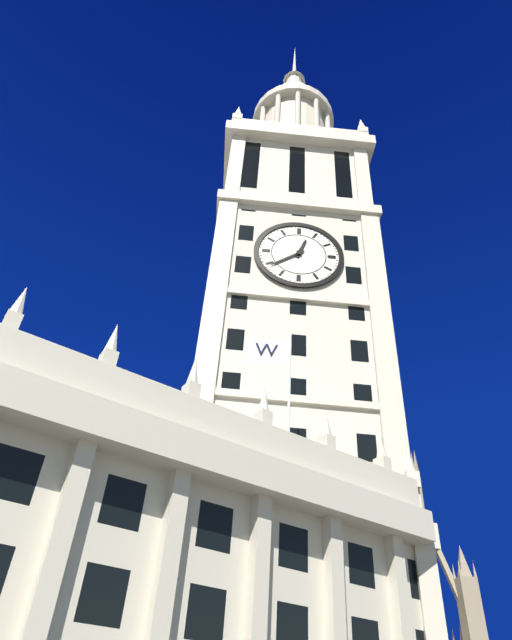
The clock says {"hour": 12, "minute": 39}
